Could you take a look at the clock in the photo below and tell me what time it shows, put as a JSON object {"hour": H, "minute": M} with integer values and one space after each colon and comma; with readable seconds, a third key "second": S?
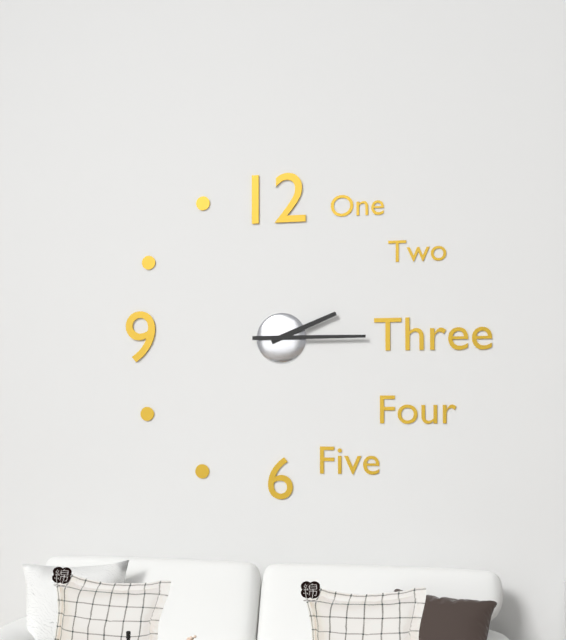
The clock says {"hour": 2, "minute": 15}
